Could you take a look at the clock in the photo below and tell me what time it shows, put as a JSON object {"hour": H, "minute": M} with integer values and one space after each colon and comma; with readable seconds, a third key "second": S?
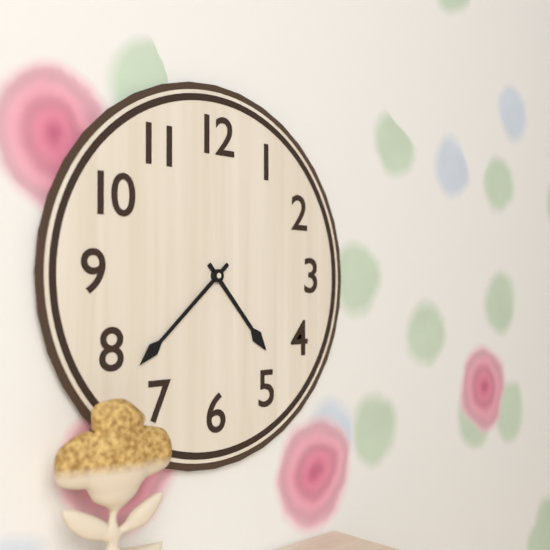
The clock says {"hour": 4, "minute": 38}
